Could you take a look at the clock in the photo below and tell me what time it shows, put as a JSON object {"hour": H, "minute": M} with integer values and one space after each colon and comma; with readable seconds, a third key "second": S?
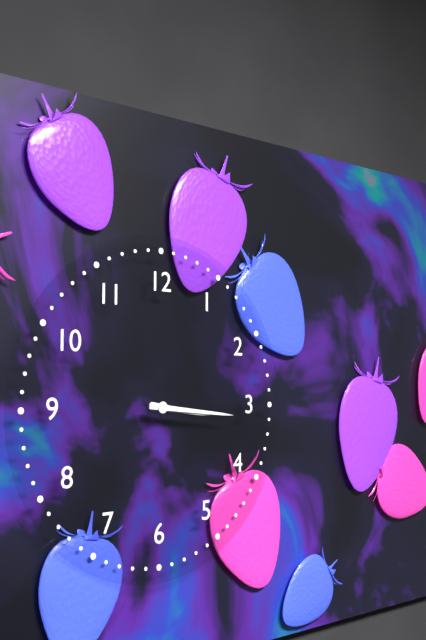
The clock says {"hour": 3, "minute": 16}
